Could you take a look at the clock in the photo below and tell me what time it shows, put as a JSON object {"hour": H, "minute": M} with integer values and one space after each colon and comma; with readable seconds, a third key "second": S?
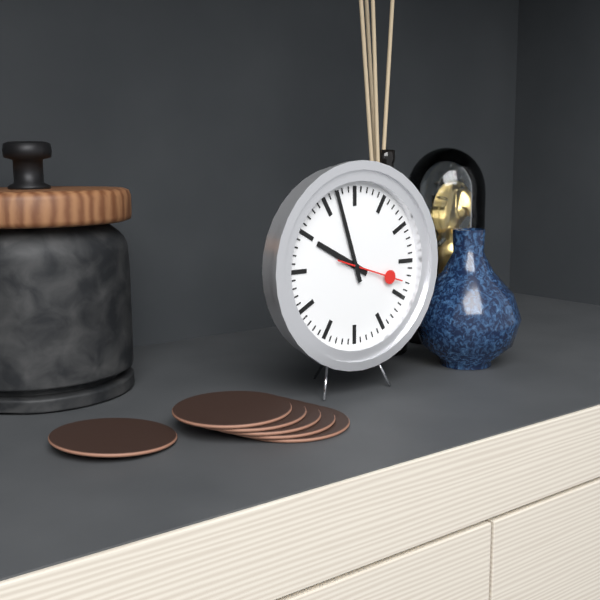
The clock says {"hour": 9, "minute": 57, "second": 18}
